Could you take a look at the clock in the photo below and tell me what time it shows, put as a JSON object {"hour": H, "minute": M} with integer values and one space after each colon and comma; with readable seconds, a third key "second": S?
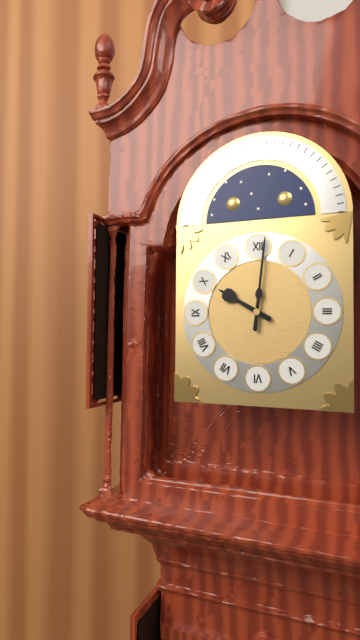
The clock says {"hour": 10, "minute": 1}
